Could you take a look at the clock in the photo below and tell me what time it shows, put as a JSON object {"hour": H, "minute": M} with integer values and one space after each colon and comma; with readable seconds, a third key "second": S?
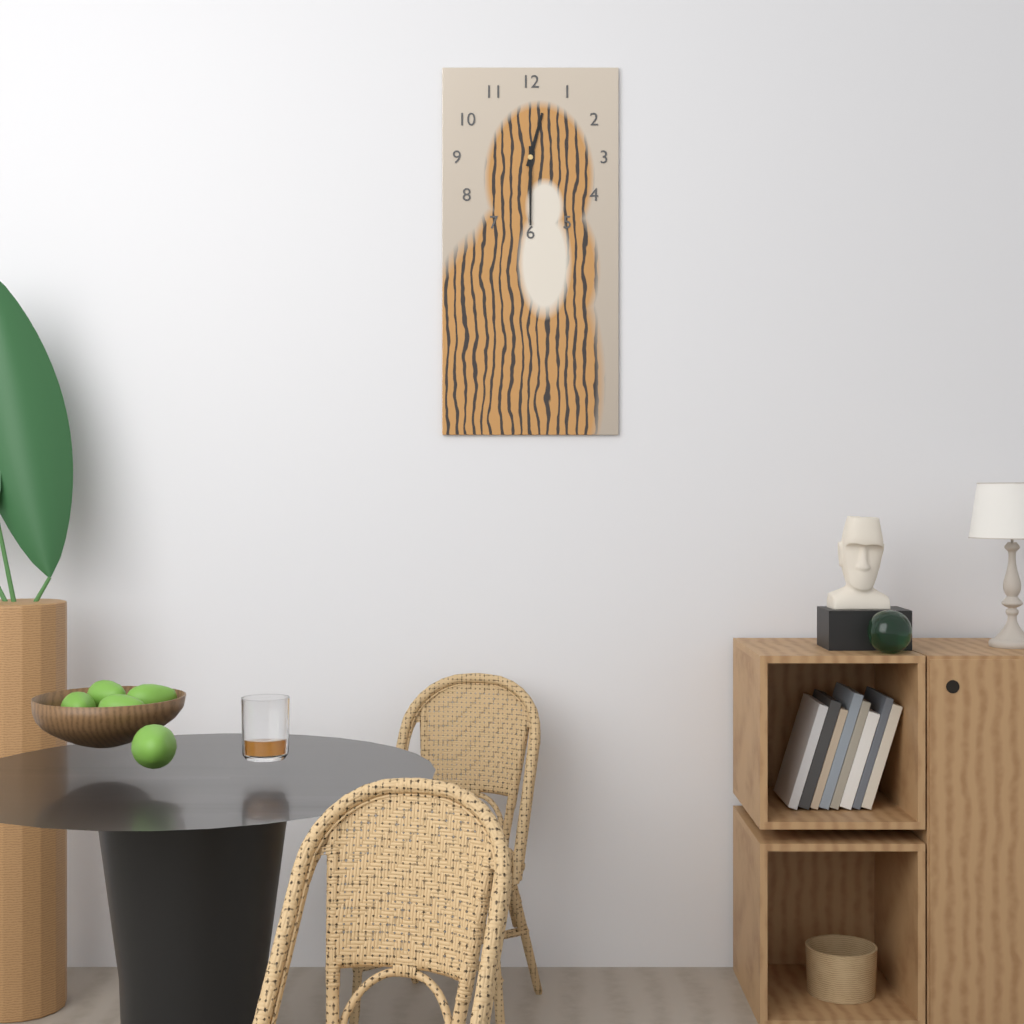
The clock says {"hour": 12, "minute": 30}
